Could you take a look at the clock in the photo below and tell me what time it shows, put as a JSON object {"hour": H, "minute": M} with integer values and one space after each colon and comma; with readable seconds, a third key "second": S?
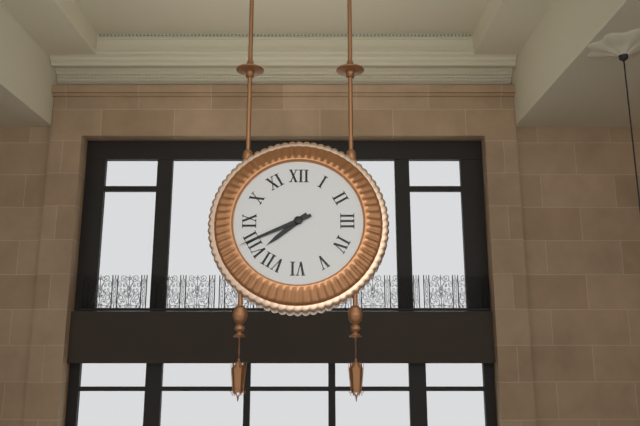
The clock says {"hour": 7, "minute": 41}
